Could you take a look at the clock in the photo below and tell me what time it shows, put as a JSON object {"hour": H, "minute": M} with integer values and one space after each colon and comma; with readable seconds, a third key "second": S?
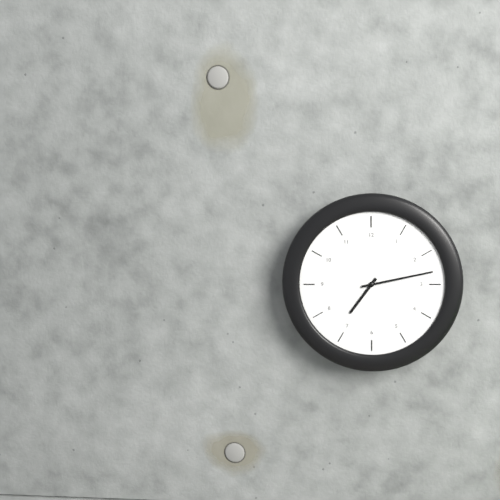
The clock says {"hour": 7, "minute": 13}
